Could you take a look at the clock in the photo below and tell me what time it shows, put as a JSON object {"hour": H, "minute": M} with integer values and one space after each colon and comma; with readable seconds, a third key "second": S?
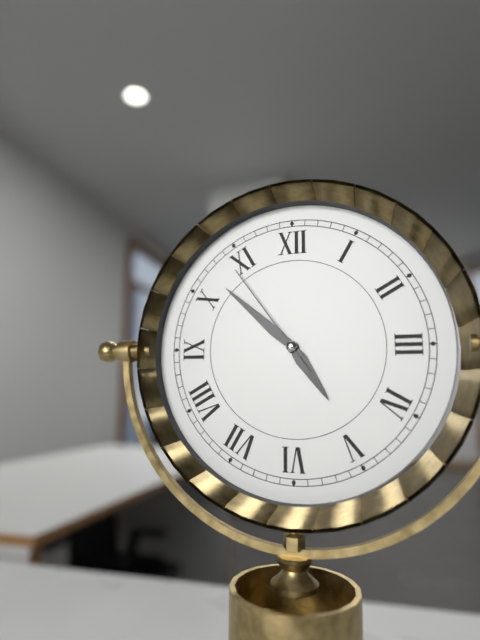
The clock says {"hour": 4, "minute": 52, "second": 54}
